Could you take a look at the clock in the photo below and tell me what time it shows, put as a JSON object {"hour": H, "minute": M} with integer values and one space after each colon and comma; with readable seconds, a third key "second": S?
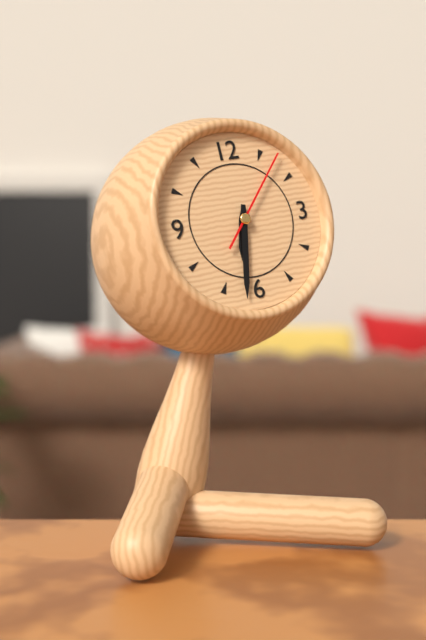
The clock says {"hour": 6, "minute": 32, "second": 7}
